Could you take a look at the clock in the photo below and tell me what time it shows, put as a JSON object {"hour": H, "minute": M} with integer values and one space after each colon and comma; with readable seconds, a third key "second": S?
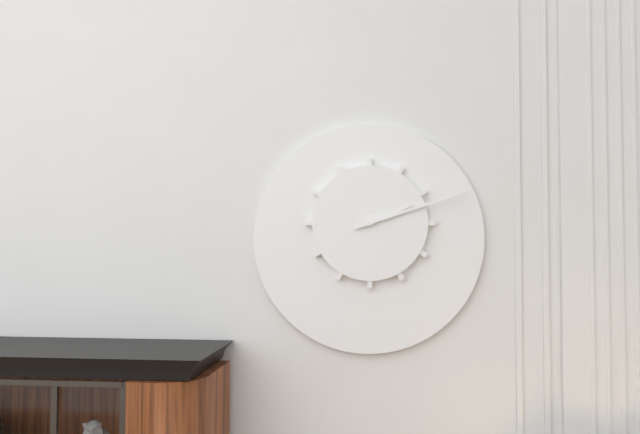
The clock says {"hour": 2, "minute": 12}
